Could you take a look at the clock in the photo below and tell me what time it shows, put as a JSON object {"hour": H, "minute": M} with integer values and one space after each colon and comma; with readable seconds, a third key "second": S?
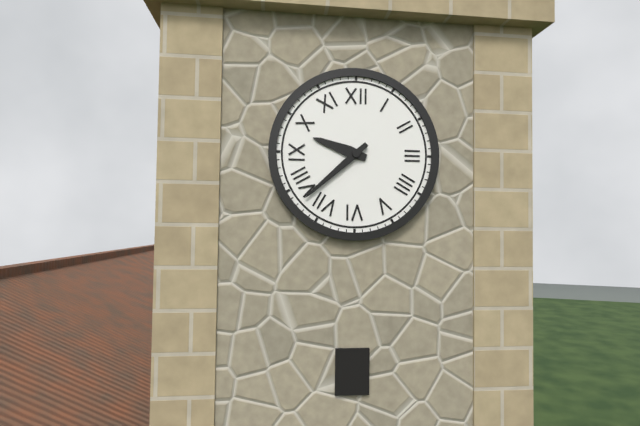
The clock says {"hour": 9, "minute": 38}
